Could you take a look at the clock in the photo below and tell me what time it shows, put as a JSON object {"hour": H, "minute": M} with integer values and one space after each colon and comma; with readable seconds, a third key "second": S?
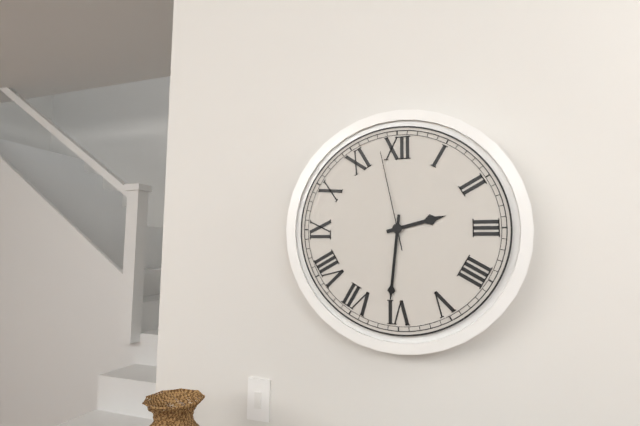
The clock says {"hour": 2, "minute": 31, "second": 58}
